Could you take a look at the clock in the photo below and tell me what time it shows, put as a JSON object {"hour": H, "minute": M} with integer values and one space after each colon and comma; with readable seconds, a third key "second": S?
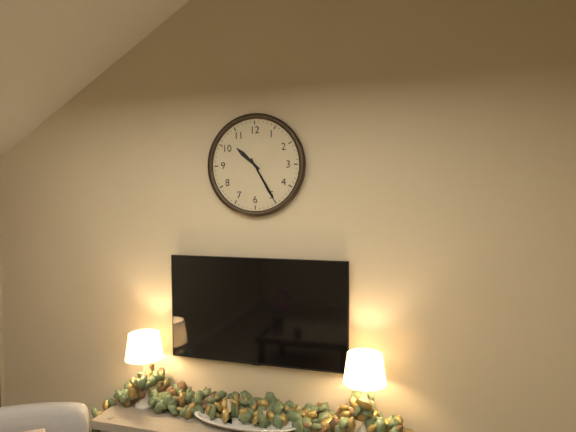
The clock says {"hour": 10, "minute": 25}
